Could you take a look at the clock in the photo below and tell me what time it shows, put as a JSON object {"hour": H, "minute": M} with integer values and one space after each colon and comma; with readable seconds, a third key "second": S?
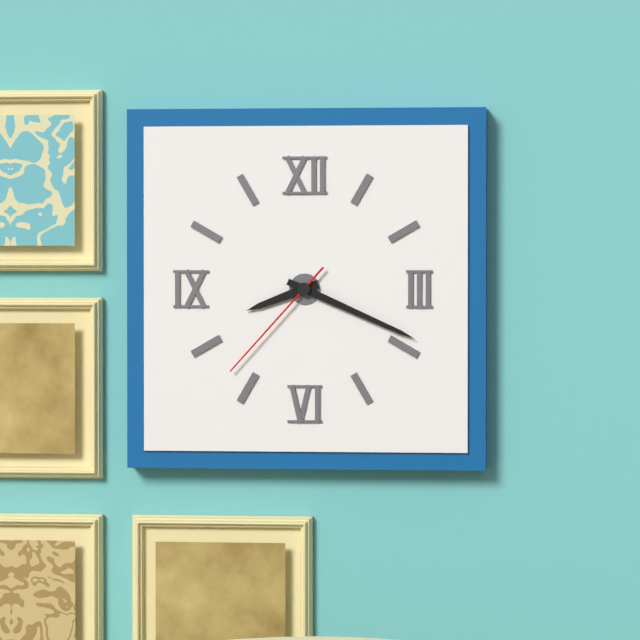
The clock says {"hour": 8, "minute": 19, "second": 37}
